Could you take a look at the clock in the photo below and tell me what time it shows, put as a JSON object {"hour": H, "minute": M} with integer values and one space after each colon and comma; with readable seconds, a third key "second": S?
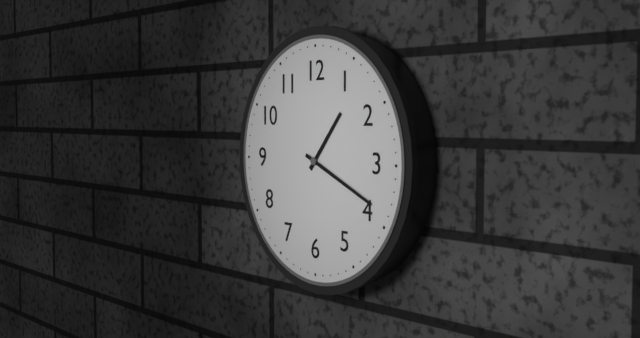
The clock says {"hour": 1, "minute": 19}
